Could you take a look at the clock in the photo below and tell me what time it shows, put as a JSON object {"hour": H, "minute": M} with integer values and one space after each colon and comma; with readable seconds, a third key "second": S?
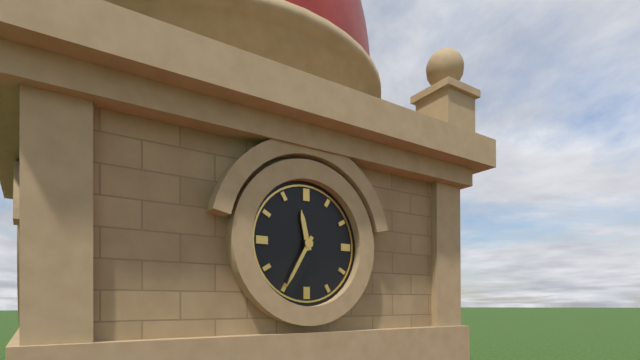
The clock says {"hour": 11, "minute": 35}
